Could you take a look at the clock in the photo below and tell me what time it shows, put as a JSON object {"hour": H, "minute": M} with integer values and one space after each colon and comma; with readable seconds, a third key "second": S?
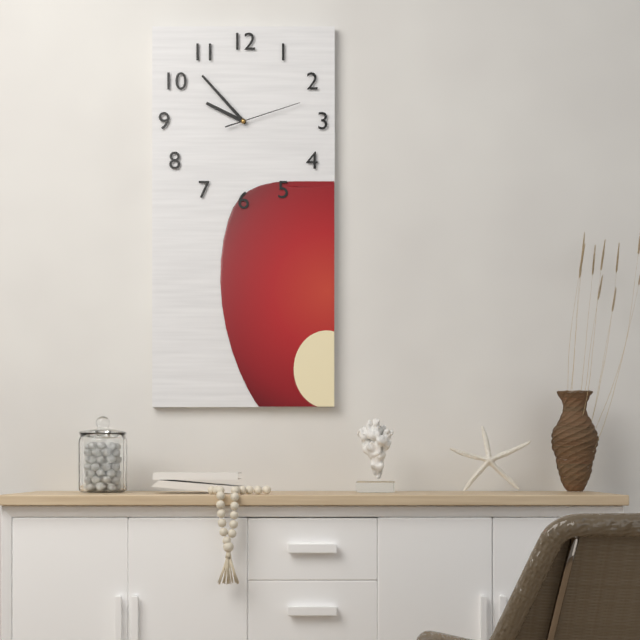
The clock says {"hour": 9, "minute": 53, "second": 12}
